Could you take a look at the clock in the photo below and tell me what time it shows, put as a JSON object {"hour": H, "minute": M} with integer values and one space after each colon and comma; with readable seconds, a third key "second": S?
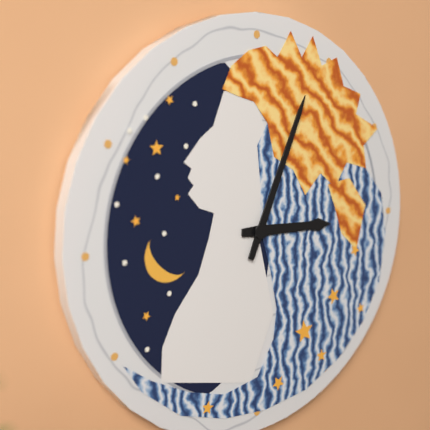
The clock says {"hour": 3, "minute": 4}
